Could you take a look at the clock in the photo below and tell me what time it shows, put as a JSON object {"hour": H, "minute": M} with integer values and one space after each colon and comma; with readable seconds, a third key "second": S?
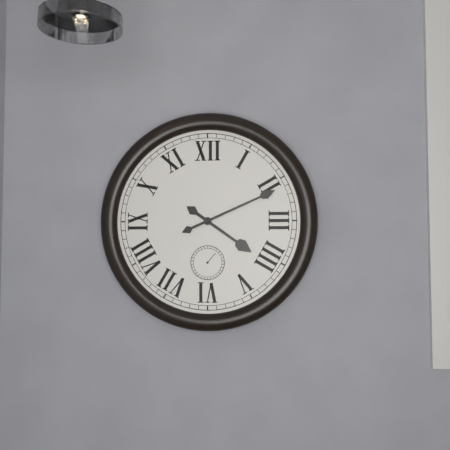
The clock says {"hour": 4, "minute": 11}
